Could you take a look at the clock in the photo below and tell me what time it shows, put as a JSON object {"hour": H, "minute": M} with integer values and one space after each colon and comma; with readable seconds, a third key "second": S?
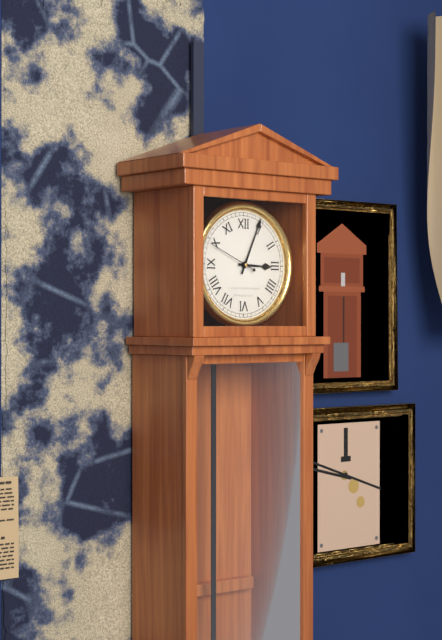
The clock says {"hour": 3, "minute": 4}
